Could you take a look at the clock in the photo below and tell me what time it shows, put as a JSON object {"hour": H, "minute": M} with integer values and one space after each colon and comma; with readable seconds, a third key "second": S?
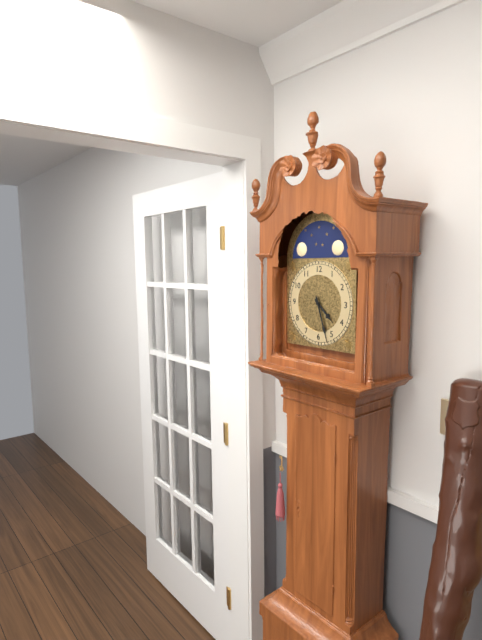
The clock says {"hour": 4, "minute": 27}
